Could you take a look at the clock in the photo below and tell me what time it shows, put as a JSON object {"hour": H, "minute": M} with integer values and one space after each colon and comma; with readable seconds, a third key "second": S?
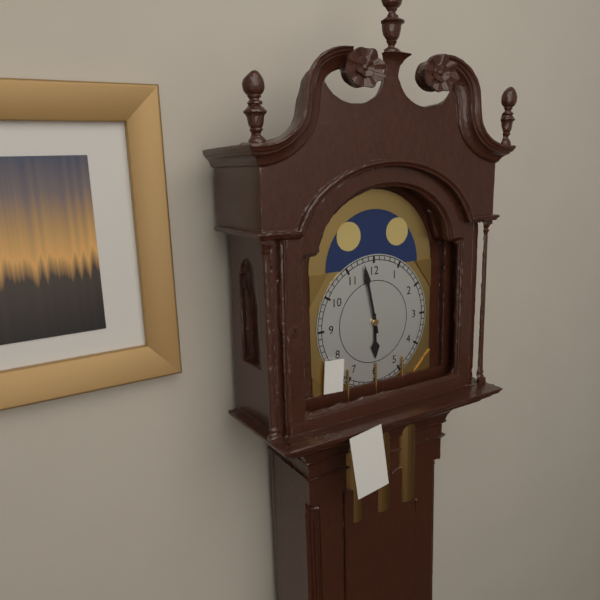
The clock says {"hour": 5, "minute": 58}
